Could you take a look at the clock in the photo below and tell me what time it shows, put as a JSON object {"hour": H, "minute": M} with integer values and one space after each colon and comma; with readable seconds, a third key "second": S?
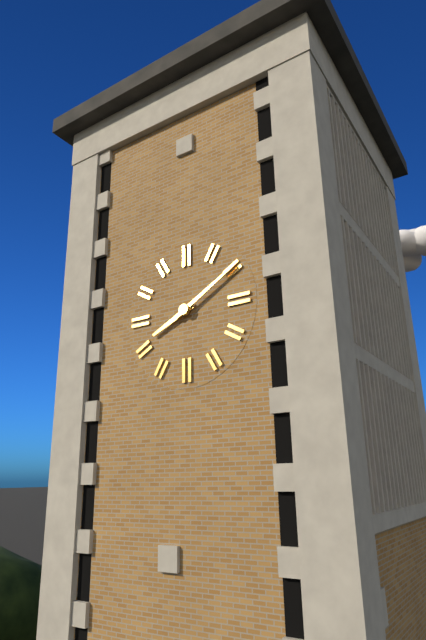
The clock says {"hour": 8, "minute": 10}
